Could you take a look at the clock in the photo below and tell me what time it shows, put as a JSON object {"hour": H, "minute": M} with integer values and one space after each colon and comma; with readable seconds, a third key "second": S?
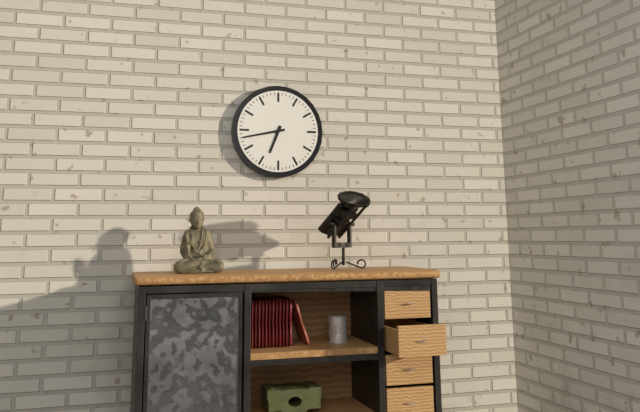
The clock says {"hour": 6, "minute": 43}
